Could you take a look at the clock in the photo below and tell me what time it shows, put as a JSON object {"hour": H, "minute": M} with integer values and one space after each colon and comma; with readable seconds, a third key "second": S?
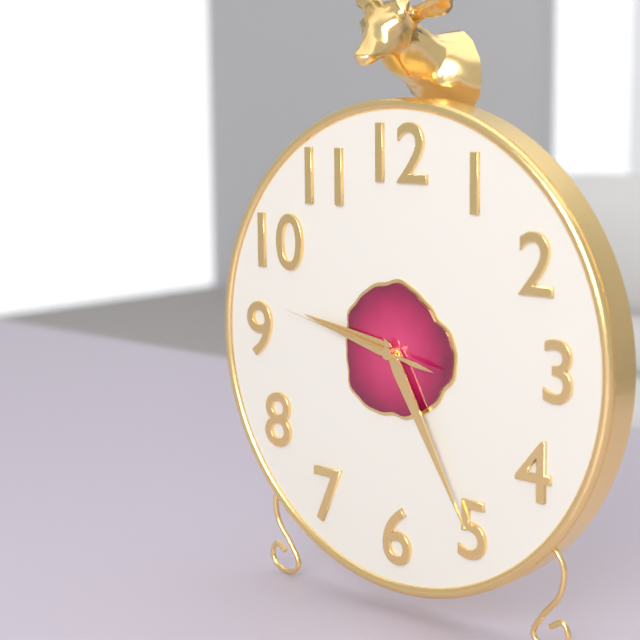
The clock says {"hour": 9, "minute": 25, "second": 47}
